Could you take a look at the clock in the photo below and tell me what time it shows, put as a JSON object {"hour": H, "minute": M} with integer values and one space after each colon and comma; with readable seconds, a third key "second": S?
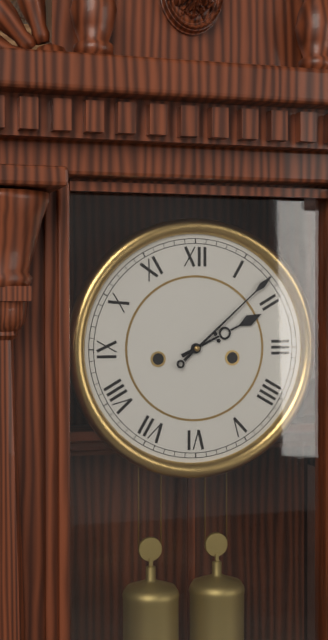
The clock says {"hour": 2, "minute": 8}
